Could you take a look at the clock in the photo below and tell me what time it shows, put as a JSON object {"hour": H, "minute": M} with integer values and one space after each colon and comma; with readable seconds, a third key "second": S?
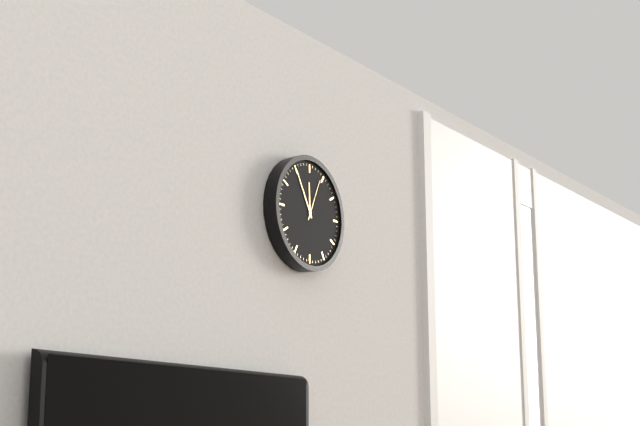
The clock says {"hour": 11, "minute": 55}
